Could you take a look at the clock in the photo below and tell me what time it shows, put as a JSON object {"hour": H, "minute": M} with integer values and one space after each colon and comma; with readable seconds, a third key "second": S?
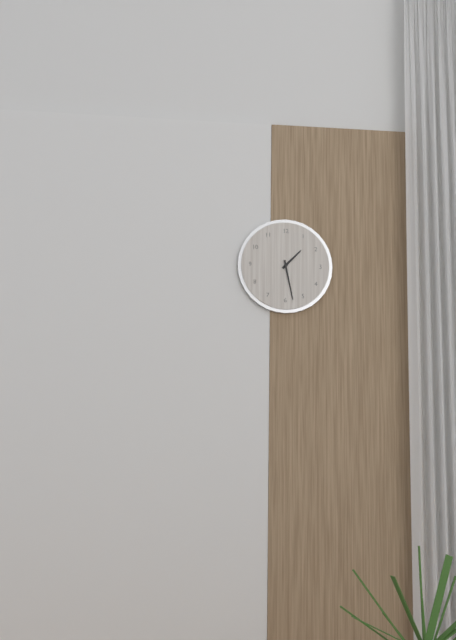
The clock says {"hour": 1, "minute": 28}
